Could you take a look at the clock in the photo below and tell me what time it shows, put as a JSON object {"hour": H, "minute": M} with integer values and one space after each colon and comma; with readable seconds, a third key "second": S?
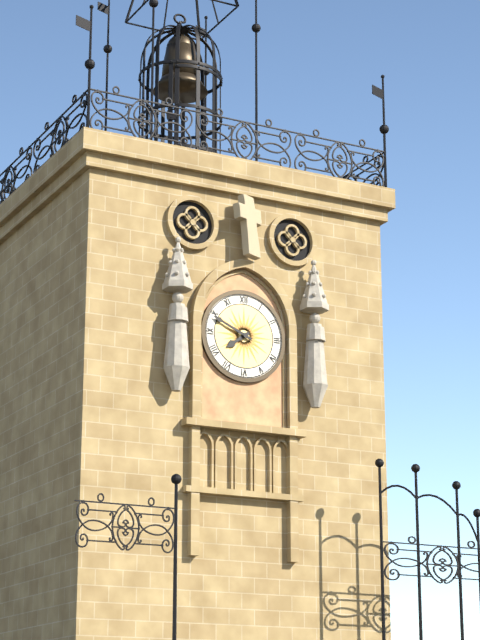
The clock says {"hour": 7, "minute": 49}
